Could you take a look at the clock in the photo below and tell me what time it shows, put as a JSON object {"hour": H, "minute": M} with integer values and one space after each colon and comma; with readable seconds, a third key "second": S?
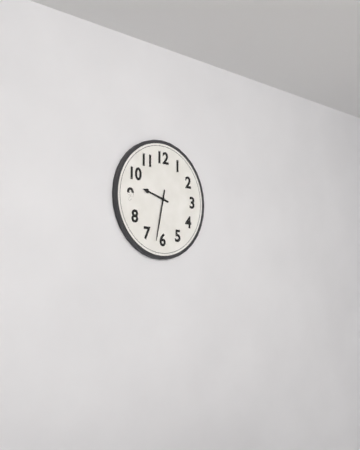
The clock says {"hour": 9, "minute": 32}
